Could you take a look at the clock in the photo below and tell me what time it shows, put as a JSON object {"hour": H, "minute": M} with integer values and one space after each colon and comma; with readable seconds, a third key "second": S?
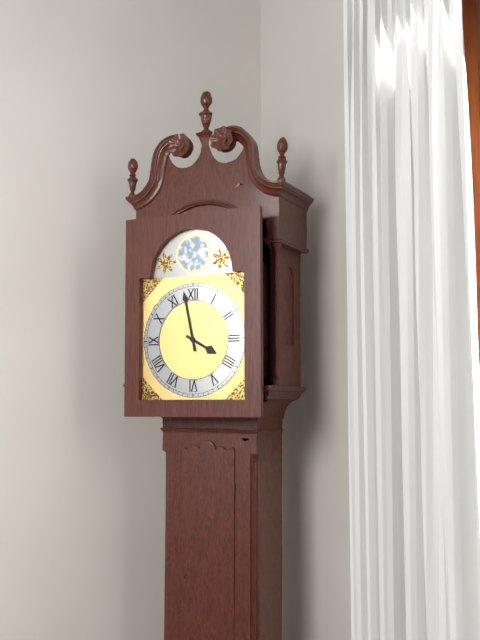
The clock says {"hour": 3, "minute": 58}
